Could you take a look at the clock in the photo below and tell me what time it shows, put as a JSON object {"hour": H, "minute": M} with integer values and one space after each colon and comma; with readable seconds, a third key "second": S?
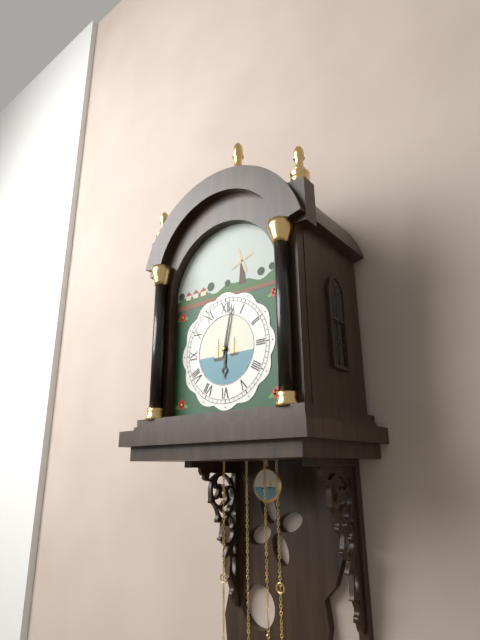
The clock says {"hour": 6, "minute": 2}
